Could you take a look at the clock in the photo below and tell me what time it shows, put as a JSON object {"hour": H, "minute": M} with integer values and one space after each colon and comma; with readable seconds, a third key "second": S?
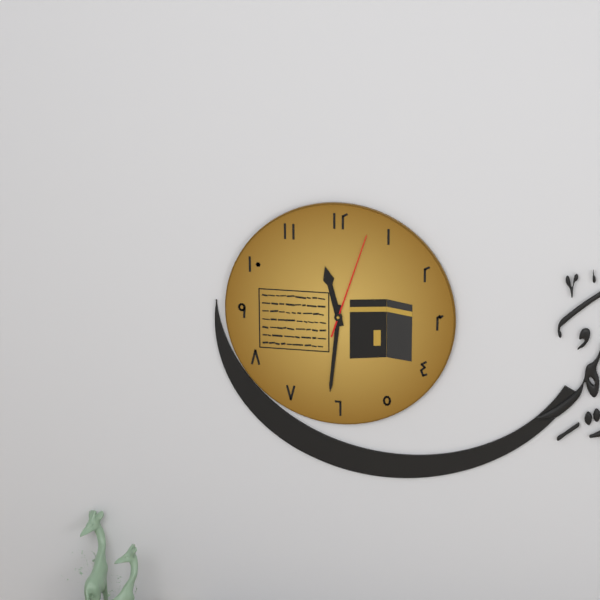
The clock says {"hour": 11, "minute": 31, "second": 3}
